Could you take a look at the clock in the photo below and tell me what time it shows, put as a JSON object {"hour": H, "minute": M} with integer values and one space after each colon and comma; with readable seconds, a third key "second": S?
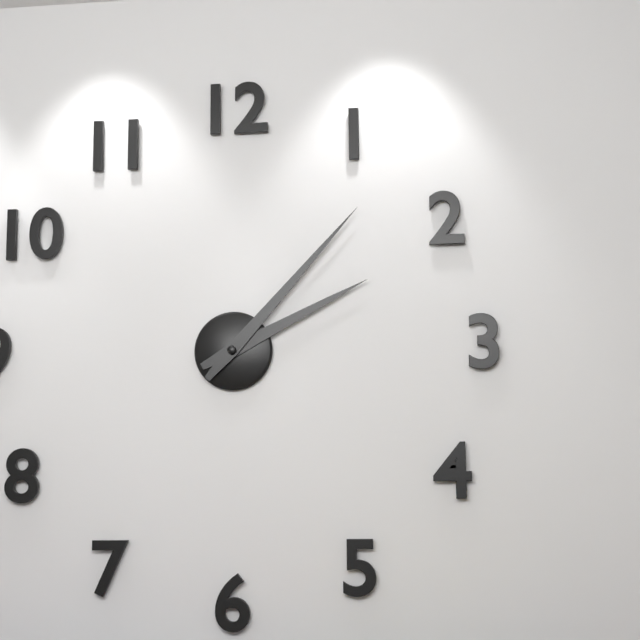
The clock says {"hour": 2, "minute": 7}
